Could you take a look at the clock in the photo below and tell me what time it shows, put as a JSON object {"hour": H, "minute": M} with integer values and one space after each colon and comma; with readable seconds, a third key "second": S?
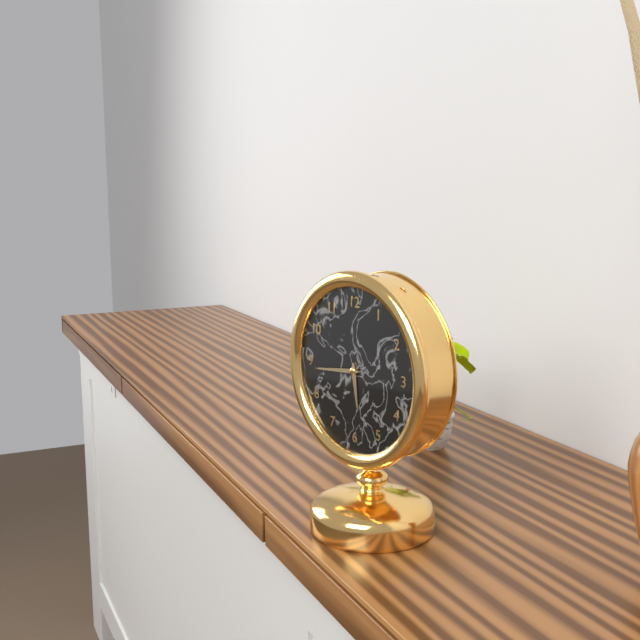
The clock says {"hour": 5, "minute": 44}
